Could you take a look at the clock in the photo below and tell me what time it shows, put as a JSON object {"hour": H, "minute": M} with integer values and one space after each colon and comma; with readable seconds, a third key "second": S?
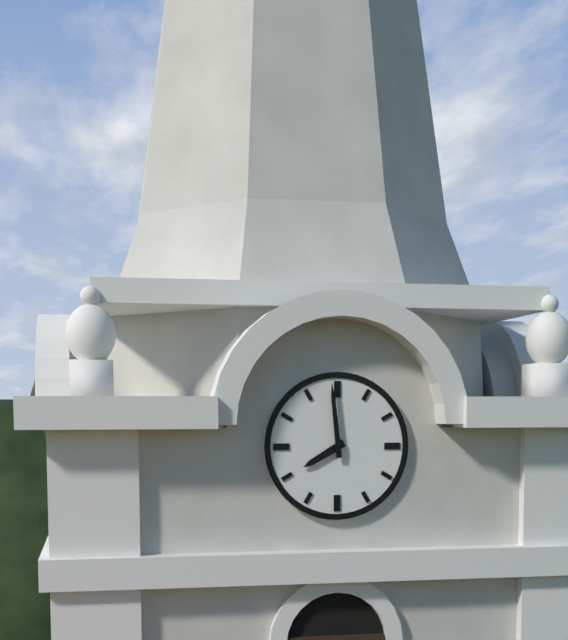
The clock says {"hour": 7, "minute": 59}
